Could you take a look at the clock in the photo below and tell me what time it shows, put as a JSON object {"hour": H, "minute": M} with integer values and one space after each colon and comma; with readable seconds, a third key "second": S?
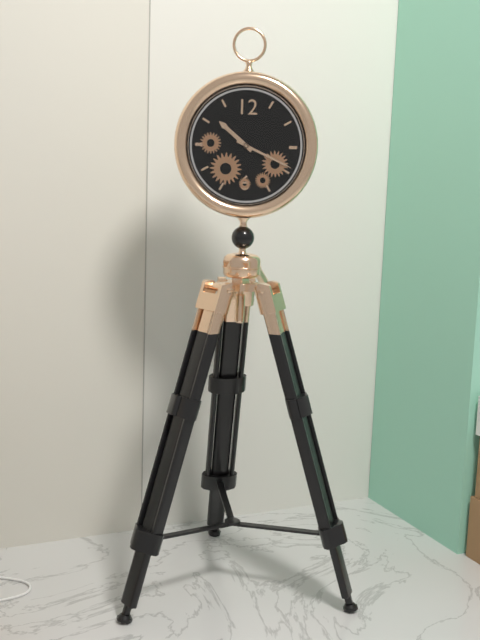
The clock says {"hour": 10, "minute": 19}
